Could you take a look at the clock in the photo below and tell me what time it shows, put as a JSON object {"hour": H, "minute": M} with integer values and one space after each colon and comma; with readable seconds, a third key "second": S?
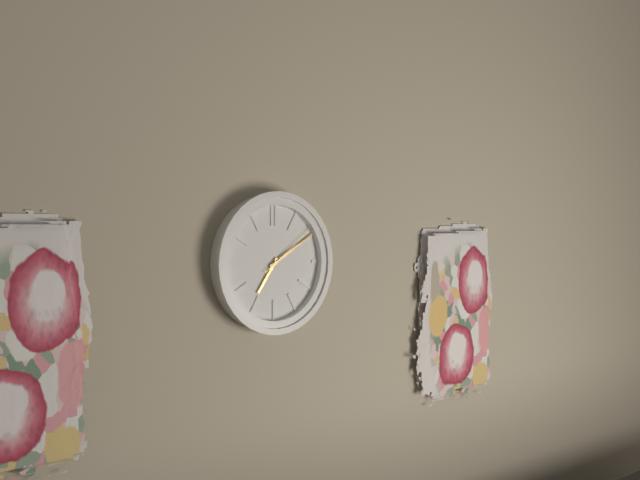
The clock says {"hour": 7, "minute": 10, "second": 9}
